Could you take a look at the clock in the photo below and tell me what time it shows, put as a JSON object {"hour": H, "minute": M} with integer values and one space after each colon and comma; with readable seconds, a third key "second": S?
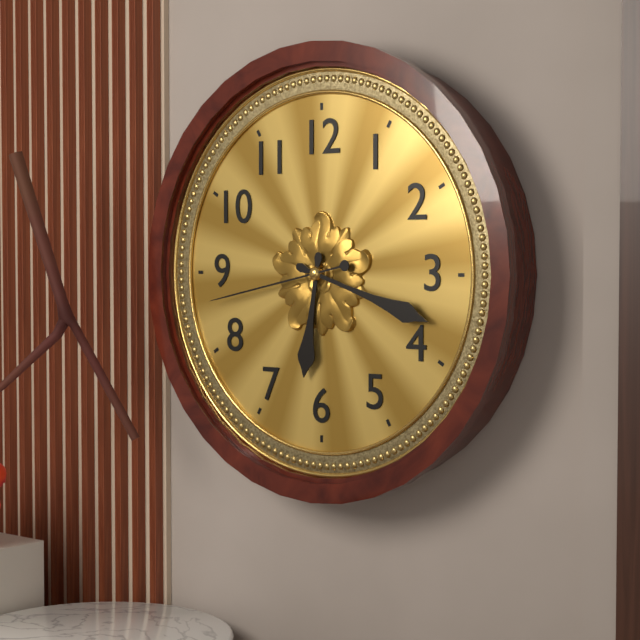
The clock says {"hour": 6, "minute": 18, "second": 43}
